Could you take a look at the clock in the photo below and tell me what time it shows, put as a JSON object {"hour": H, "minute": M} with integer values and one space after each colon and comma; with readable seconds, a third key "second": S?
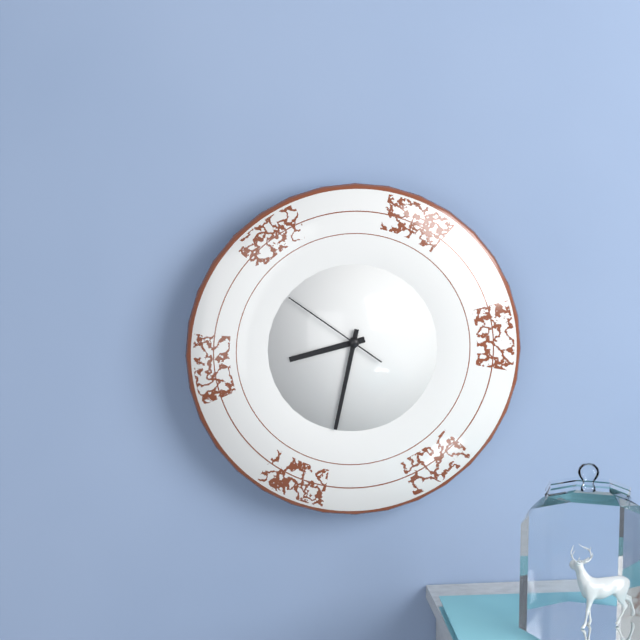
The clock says {"hour": 8, "minute": 32, "second": 51}
